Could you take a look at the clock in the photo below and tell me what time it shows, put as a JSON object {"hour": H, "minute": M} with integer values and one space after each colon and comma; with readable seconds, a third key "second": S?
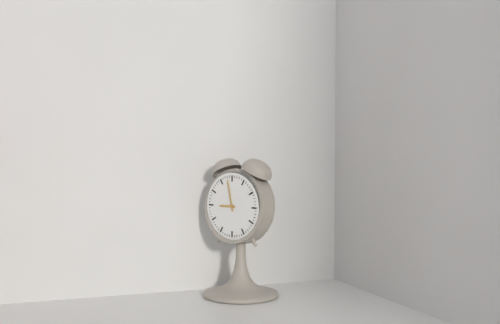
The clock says {"hour": 8, "minute": 58}
